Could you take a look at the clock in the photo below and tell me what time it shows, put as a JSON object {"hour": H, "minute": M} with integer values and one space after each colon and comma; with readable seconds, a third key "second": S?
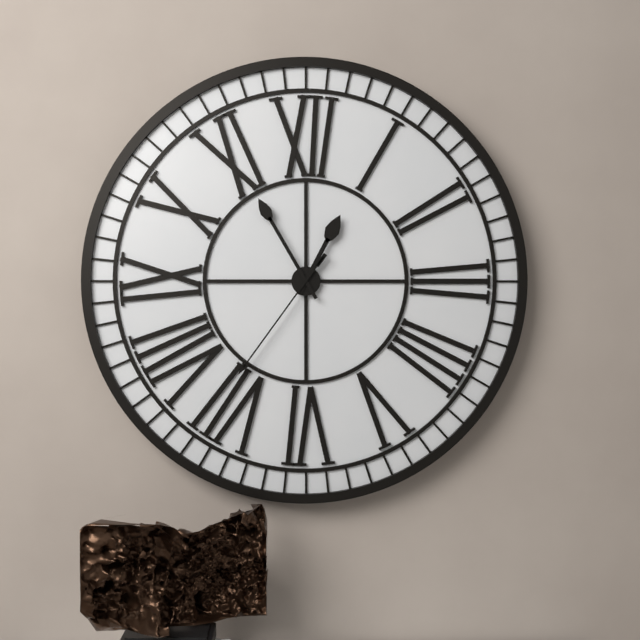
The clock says {"hour": 12, "minute": 55, "second": 36}
